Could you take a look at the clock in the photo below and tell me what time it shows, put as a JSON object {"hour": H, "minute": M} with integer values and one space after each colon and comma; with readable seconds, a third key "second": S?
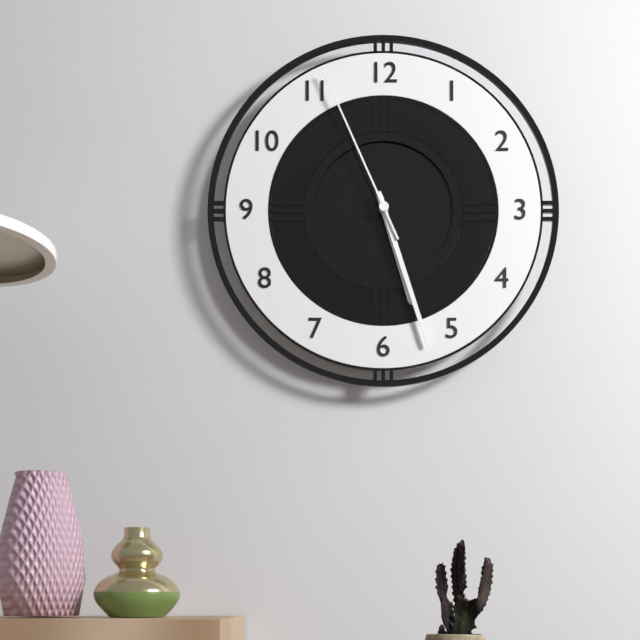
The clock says {"hour": 5, "minute": 27, "second": 56}
